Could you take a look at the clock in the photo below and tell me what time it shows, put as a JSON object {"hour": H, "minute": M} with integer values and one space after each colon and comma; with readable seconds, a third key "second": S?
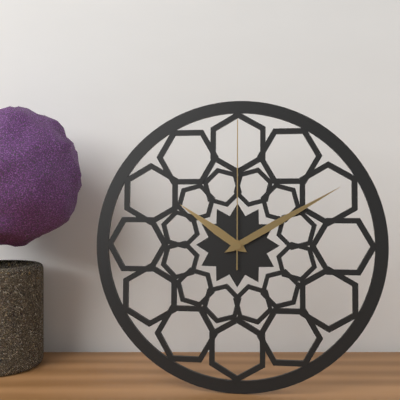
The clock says {"hour": 10, "minute": 10, "second": 0}
